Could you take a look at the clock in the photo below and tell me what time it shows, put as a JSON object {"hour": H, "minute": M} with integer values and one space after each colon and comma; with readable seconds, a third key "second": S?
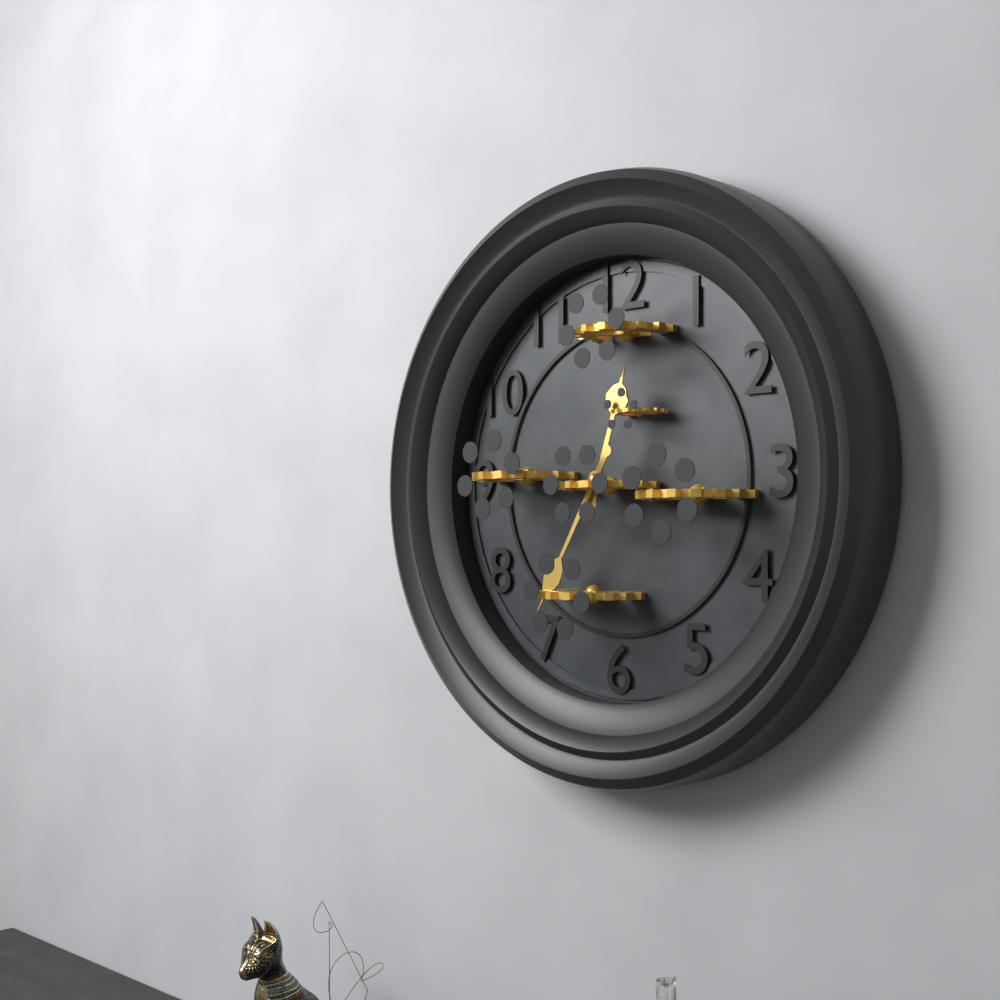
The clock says {"hour": 12, "minute": 35}
